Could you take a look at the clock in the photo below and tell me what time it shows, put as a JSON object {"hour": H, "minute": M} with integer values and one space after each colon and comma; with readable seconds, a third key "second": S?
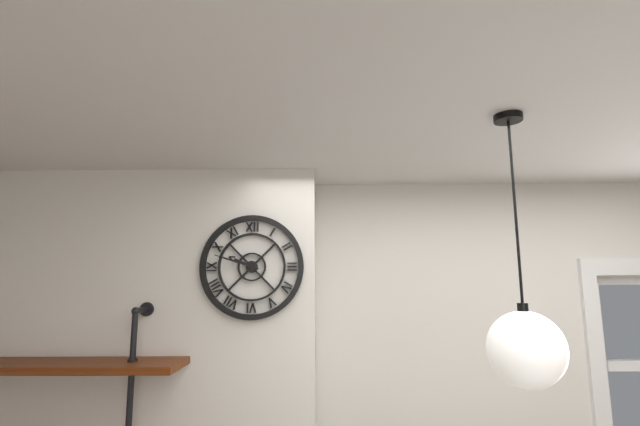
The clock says {"hour": 9, "minute": 48}
